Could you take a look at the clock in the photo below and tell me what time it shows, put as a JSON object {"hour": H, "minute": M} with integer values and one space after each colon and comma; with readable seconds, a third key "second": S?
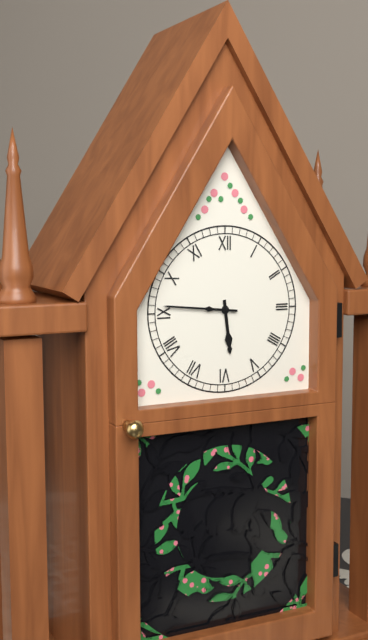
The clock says {"hour": 5, "minute": 46}
